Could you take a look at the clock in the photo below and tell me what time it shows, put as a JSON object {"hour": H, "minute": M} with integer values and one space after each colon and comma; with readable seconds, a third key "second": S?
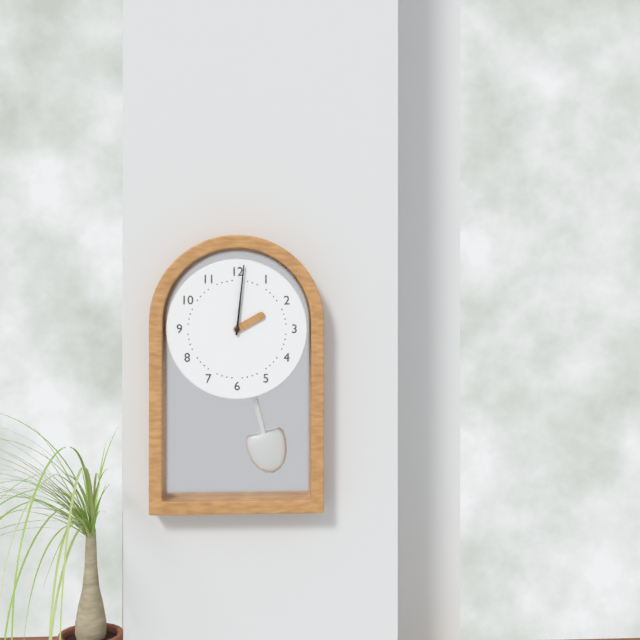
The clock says {"hour": 2, "minute": 1}
